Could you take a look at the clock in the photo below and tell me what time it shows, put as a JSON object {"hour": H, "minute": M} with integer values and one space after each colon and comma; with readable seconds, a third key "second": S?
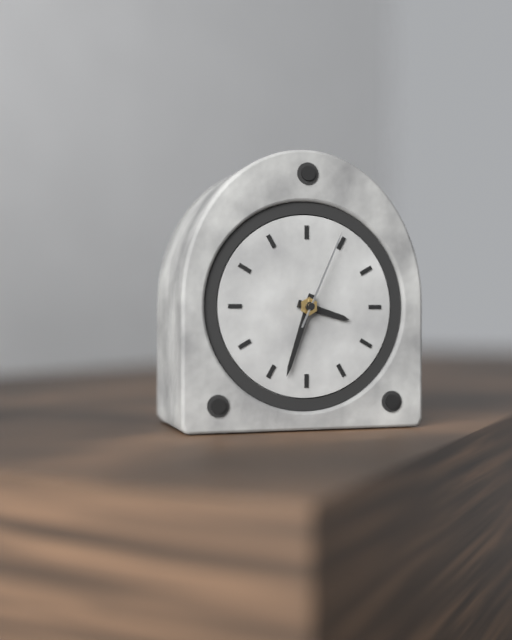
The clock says {"hour": 3, "minute": 33, "second": 4}
